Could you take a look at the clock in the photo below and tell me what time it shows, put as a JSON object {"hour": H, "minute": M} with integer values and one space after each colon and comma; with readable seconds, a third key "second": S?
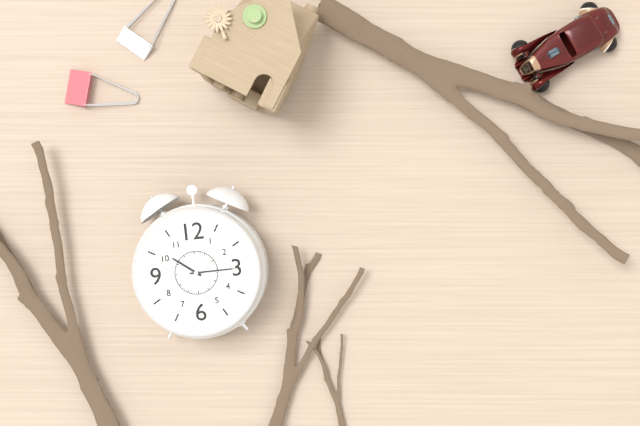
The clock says {"hour": 10, "minute": 15}
